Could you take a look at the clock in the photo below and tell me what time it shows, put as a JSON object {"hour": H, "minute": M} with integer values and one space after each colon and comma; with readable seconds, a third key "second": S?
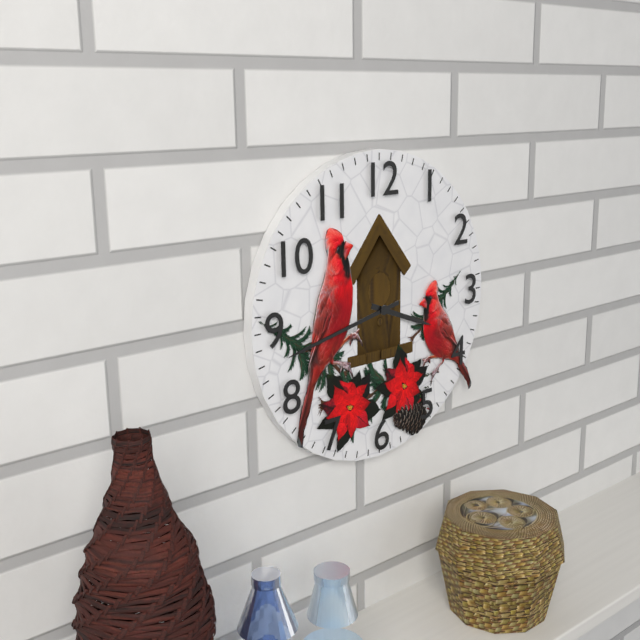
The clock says {"hour": 3, "minute": 43}
